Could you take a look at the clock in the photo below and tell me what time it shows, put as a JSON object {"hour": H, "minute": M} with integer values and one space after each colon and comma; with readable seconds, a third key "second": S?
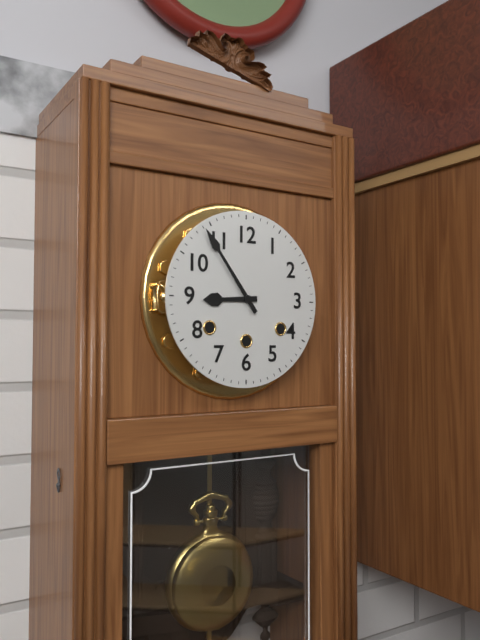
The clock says {"hour": 8, "minute": 54}
